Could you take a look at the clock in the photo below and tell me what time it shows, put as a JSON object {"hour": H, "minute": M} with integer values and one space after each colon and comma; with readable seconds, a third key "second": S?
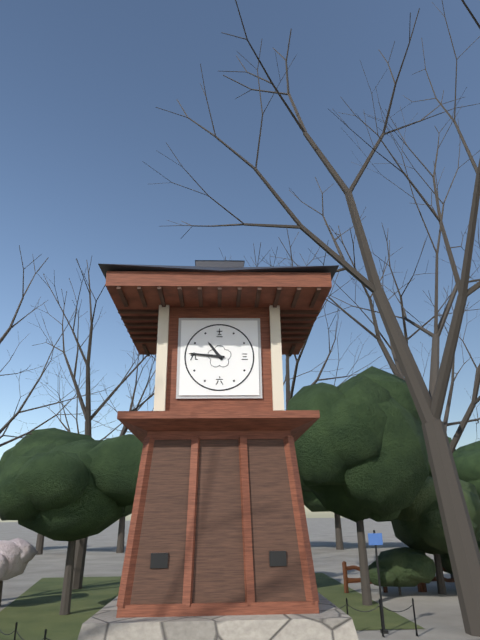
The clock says {"hour": 10, "minute": 46}
